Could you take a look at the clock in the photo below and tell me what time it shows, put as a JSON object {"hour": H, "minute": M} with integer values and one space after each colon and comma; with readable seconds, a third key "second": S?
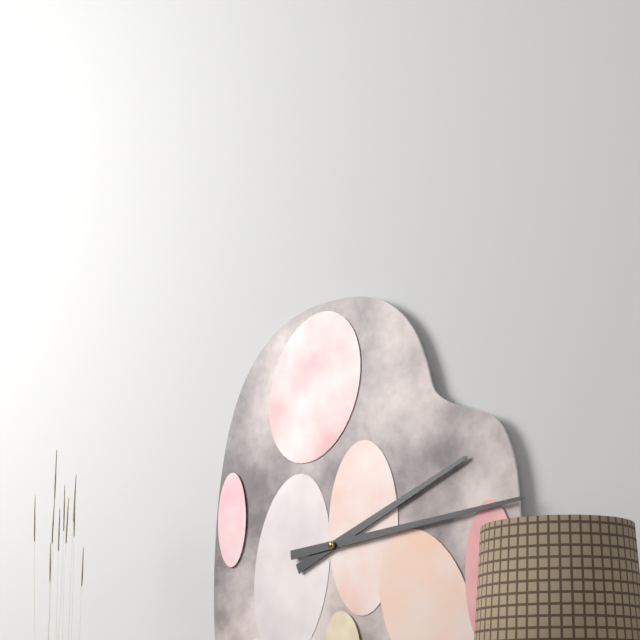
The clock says {"hour": 2, "minute": 14}
